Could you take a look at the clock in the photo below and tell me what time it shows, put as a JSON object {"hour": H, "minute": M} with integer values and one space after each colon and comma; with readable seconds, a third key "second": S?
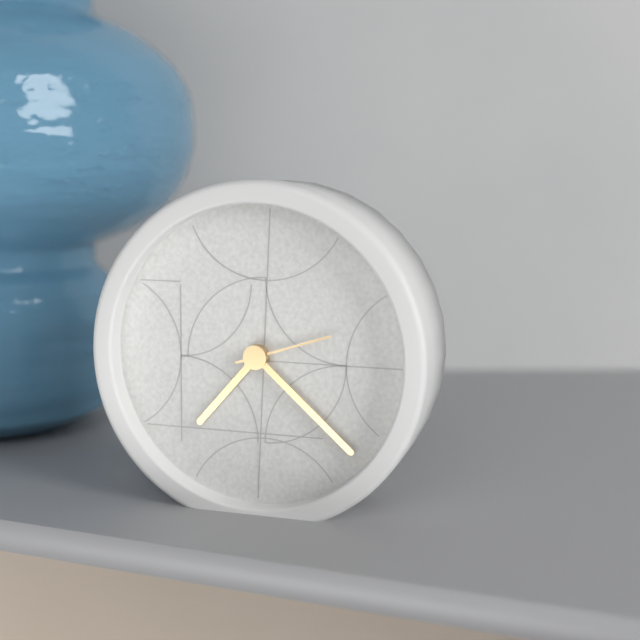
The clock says {"hour": 7, "minute": 22, "second": 12}
